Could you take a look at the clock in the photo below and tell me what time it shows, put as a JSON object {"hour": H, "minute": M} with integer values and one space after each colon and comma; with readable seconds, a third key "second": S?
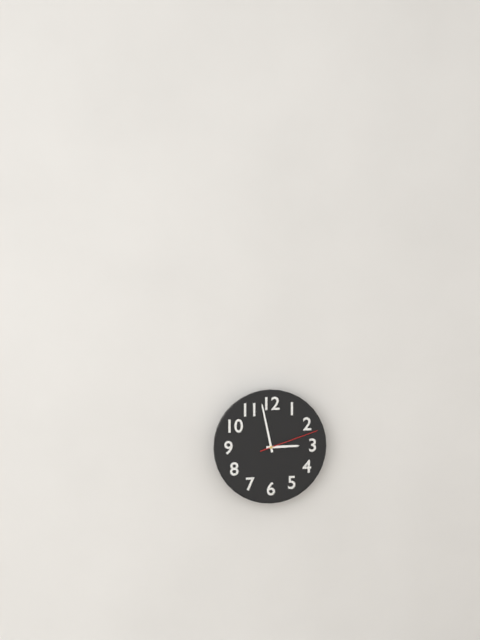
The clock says {"hour": 2, "minute": 58, "second": 12}
